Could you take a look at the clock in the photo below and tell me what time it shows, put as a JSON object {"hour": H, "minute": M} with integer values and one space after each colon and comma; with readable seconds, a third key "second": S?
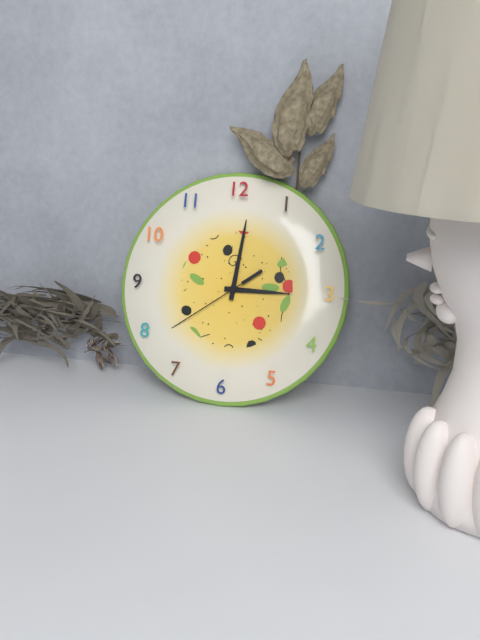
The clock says {"hour": 3, "minute": 1, "second": 39}
